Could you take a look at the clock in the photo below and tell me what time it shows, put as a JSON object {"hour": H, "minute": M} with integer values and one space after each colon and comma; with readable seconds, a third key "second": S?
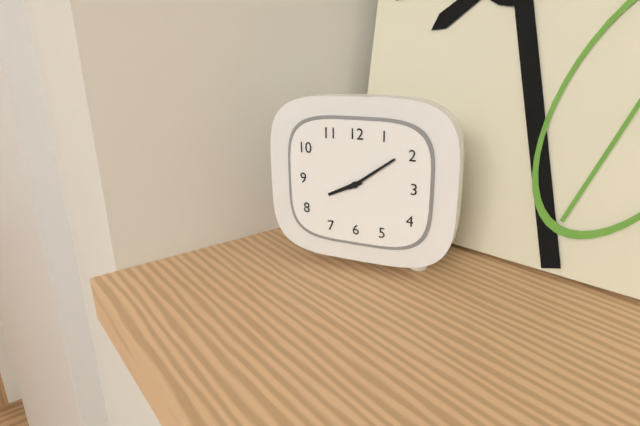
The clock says {"hour": 8, "minute": 9}
